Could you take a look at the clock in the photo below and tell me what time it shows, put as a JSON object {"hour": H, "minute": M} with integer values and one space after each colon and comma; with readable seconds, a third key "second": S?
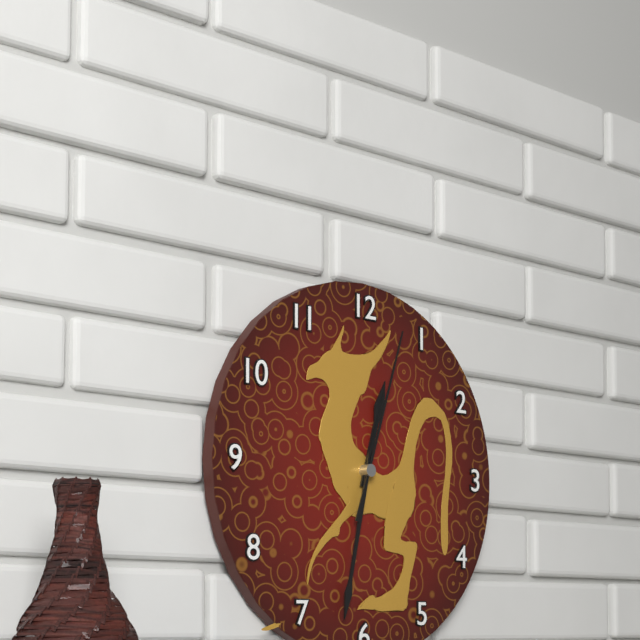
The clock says {"hour": 12, "minute": 32, "second": 3}
